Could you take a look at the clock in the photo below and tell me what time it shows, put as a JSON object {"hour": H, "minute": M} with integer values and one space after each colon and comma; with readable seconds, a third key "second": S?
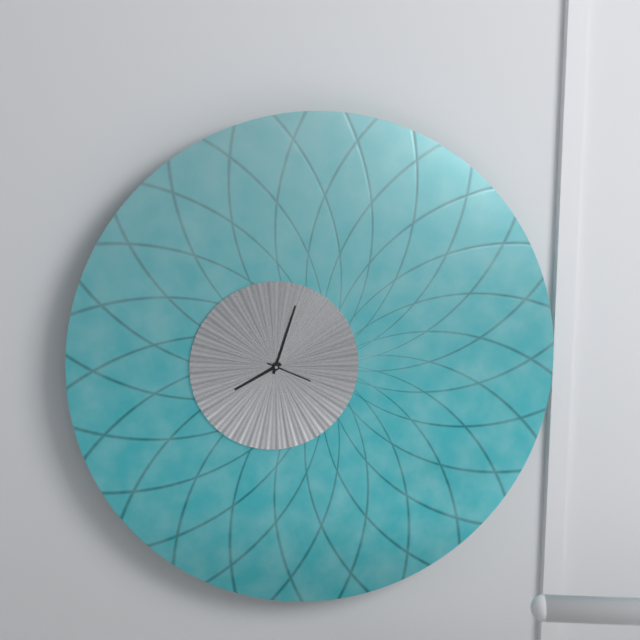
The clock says {"hour": 8, "minute": 3}
